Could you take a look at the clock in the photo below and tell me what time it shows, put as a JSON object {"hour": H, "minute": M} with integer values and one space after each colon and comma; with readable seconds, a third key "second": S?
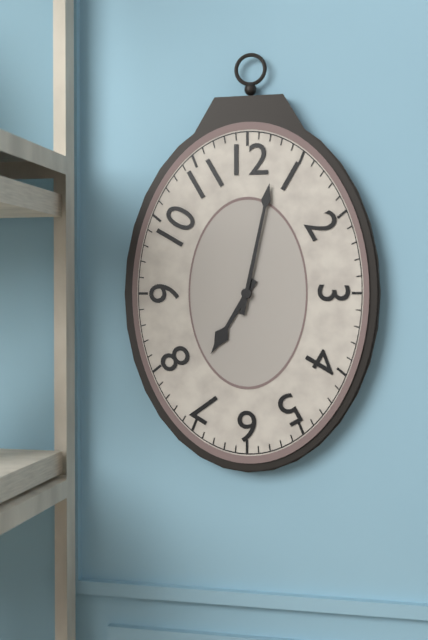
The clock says {"hour": 7, "minute": 2}
